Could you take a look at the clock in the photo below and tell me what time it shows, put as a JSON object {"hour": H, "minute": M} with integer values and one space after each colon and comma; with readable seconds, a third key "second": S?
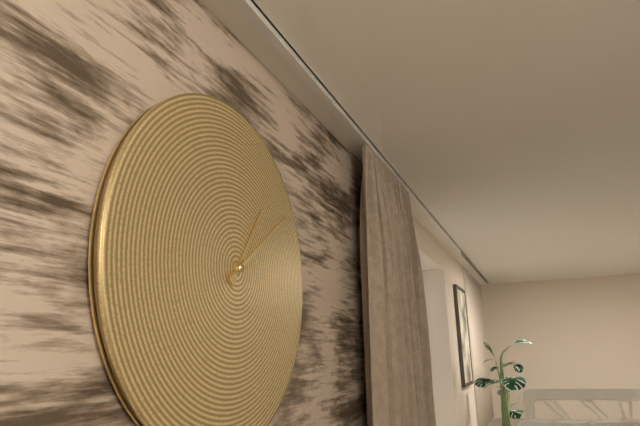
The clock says {"hour": 1, "minute": 9}
